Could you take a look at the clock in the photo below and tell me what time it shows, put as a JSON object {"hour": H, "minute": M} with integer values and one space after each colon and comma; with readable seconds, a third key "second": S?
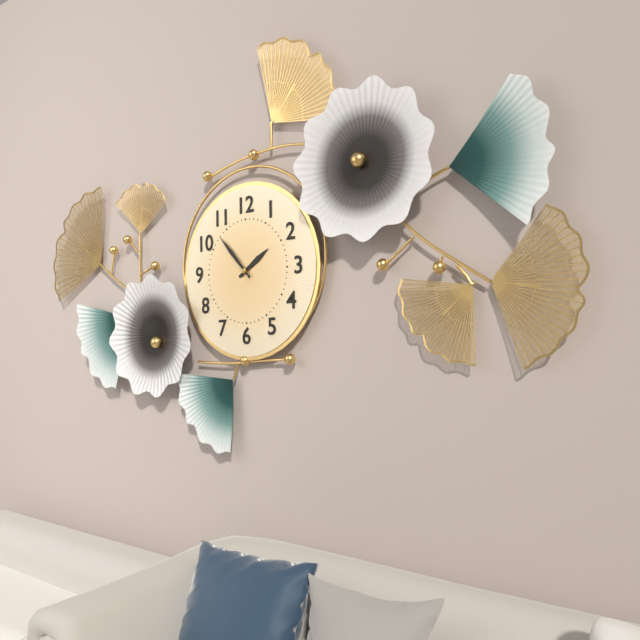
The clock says {"hour": 1, "minute": 53}
